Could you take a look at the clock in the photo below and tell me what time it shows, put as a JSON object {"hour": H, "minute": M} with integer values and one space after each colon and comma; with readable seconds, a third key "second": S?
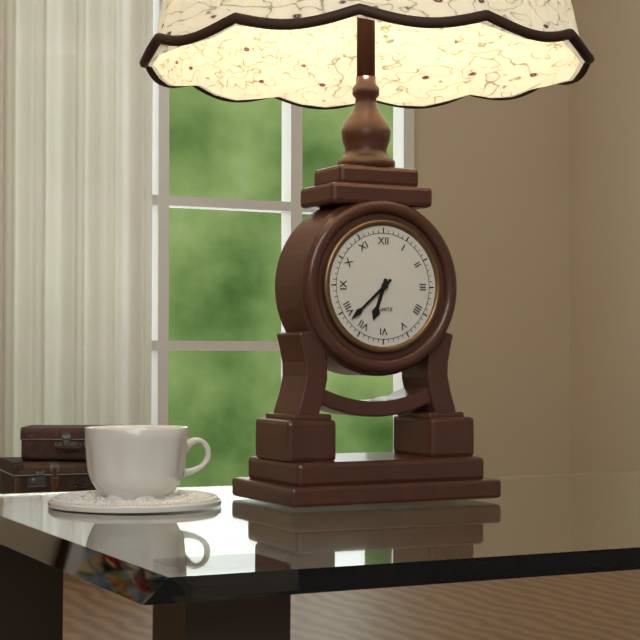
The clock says {"hour": 6, "minute": 38}
